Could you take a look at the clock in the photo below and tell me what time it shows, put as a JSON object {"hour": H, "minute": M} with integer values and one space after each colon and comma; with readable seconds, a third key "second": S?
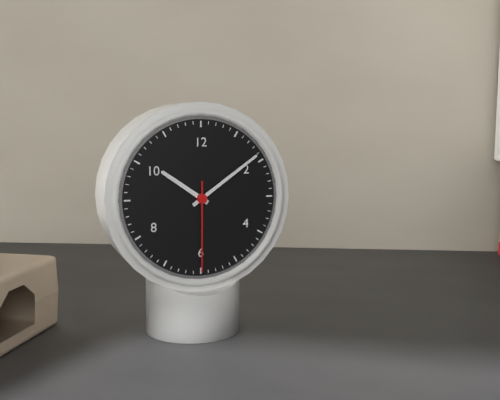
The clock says {"hour": 10, "minute": 9, "second": 30}
